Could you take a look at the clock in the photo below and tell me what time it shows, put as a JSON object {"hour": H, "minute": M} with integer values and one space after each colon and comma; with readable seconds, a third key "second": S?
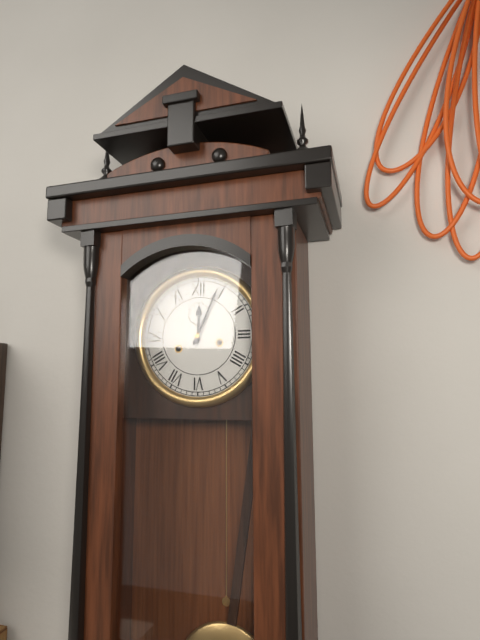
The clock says {"hour": 12, "minute": 4}
